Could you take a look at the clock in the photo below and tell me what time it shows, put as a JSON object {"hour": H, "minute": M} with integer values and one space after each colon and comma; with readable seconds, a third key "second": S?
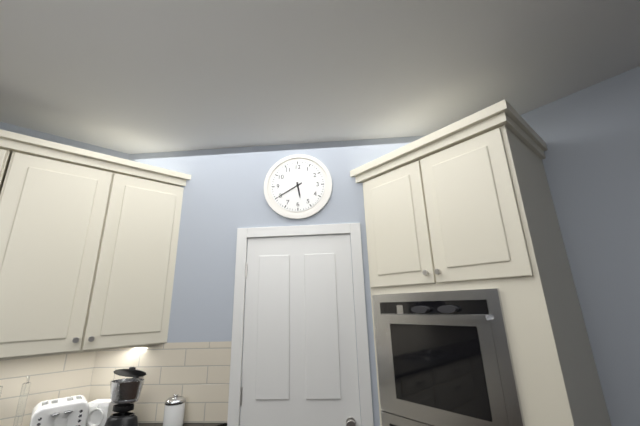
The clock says {"hour": 5, "minute": 40}
